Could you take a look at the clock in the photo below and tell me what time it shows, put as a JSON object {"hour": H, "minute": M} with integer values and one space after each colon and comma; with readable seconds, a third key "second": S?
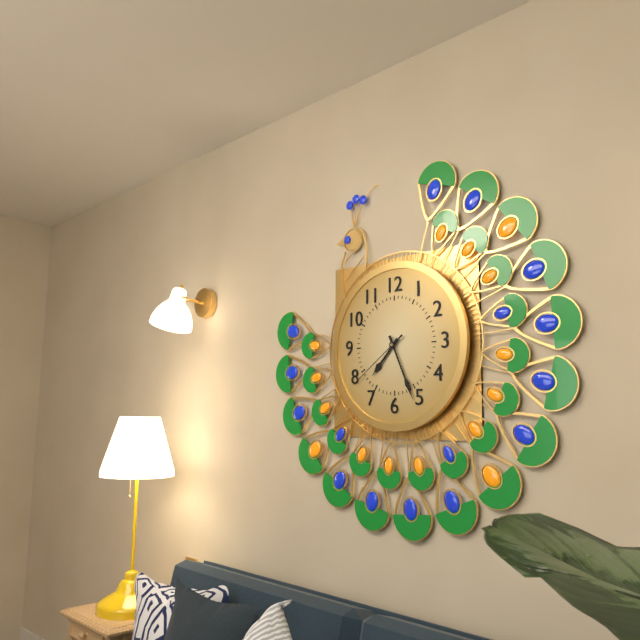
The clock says {"hour": 7, "minute": 26, "second": 39}
